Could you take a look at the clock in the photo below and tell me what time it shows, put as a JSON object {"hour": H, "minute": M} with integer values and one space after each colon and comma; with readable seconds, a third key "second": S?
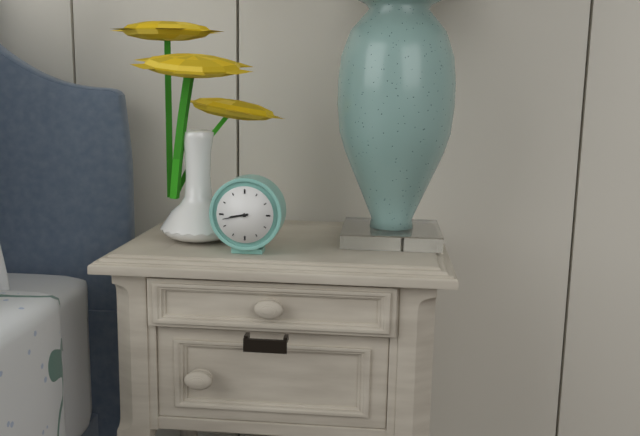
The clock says {"hour": 8, "minute": 43}
